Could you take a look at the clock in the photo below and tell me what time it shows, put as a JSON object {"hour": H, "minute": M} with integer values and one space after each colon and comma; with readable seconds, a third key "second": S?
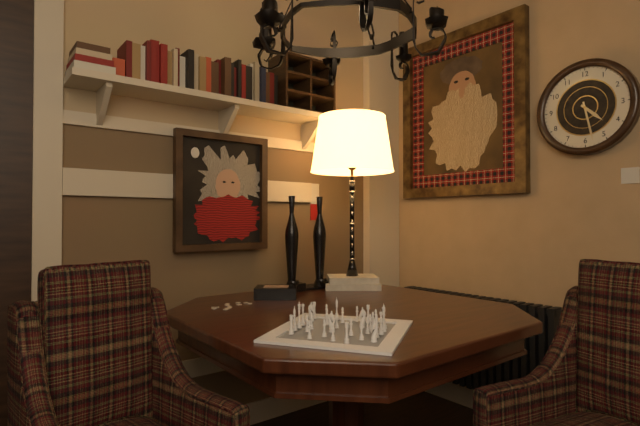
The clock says {"hour": 4, "minute": 28}
